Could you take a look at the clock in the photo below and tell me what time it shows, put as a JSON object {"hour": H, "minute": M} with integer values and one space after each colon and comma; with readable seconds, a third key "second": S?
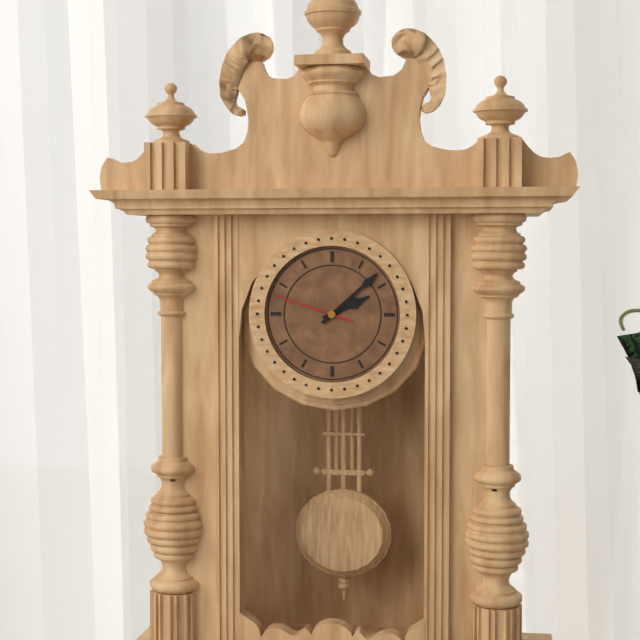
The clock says {"hour": 2, "minute": 8, "second": 48}
